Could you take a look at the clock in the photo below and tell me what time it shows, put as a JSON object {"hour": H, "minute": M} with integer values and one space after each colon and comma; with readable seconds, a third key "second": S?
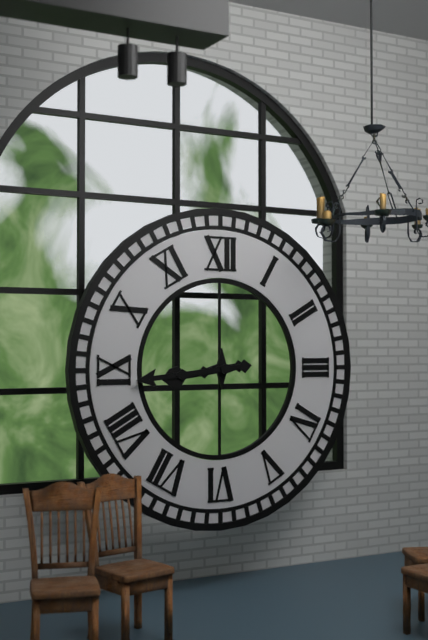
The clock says {"hour": 8, "minute": 44}
